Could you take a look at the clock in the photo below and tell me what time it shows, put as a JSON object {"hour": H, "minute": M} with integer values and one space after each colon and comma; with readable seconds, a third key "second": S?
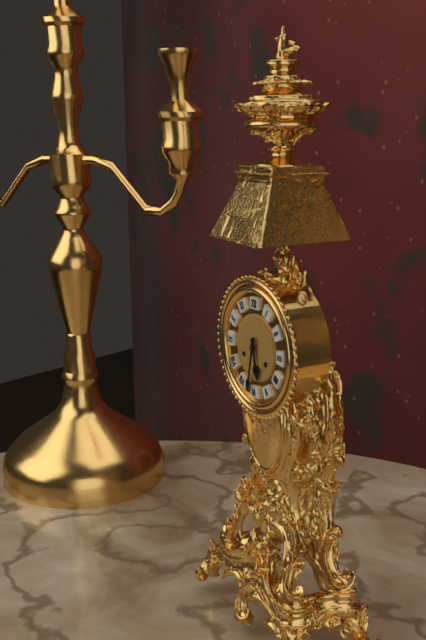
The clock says {"hour": 5, "minute": 32}
